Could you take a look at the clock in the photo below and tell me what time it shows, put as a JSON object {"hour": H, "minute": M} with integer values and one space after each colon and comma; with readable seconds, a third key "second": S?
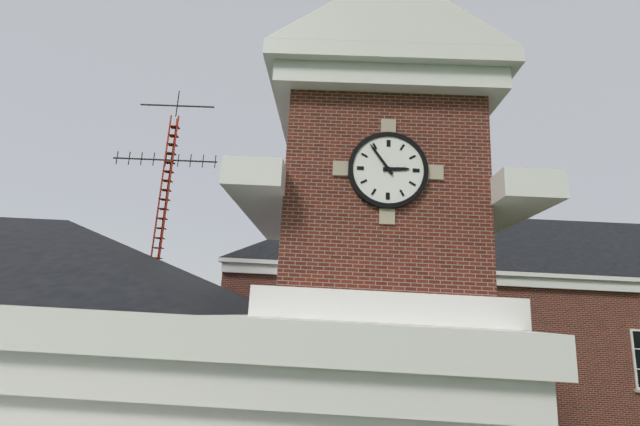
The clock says {"hour": 2, "minute": 54}
